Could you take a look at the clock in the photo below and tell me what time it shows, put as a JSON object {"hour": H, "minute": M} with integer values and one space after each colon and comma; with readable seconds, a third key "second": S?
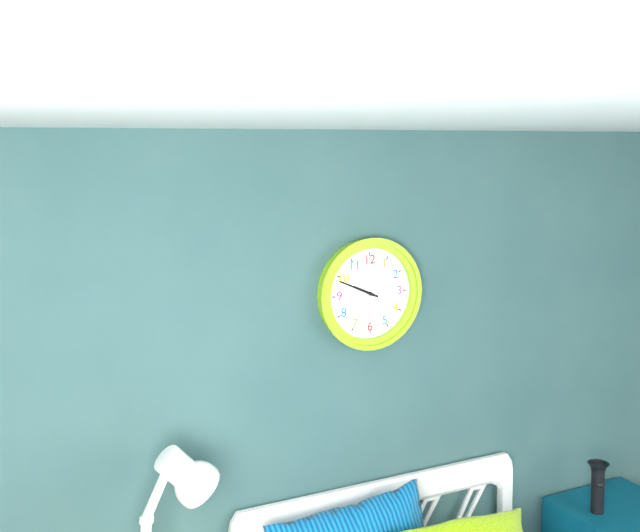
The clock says {"hour": 9, "minute": 49}
